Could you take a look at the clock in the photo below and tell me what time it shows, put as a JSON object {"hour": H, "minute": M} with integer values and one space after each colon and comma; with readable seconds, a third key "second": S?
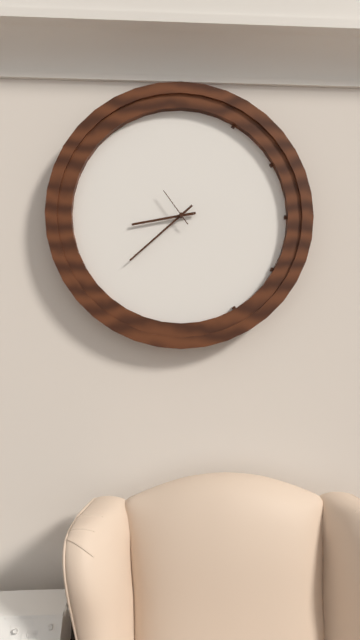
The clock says {"hour": 8, "minute": 38}
